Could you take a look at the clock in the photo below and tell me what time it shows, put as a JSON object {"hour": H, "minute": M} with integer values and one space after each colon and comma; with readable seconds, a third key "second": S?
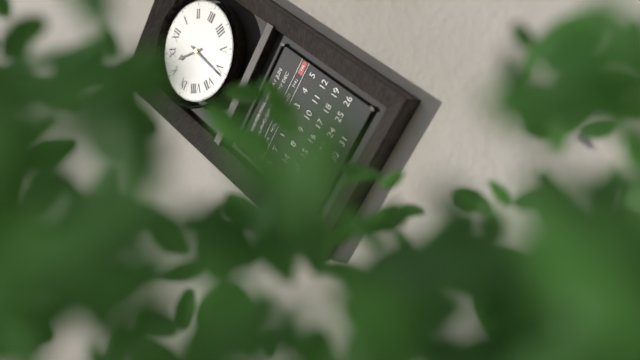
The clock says {"hour": 10, "minute": 31}
